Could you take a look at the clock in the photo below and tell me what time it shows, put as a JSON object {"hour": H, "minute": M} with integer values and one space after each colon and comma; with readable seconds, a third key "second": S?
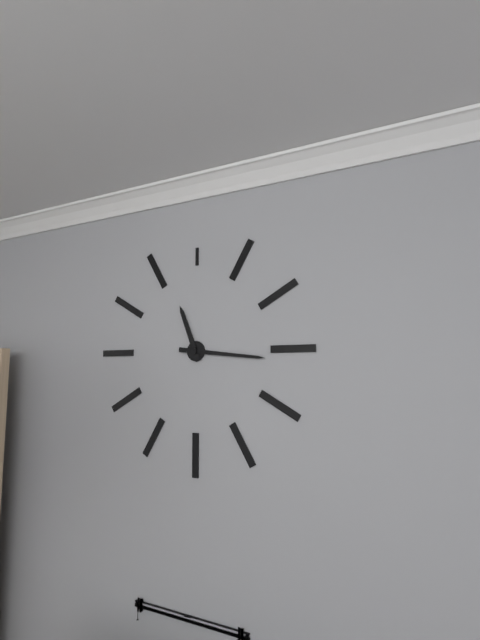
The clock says {"hour": 11, "minute": 16}
